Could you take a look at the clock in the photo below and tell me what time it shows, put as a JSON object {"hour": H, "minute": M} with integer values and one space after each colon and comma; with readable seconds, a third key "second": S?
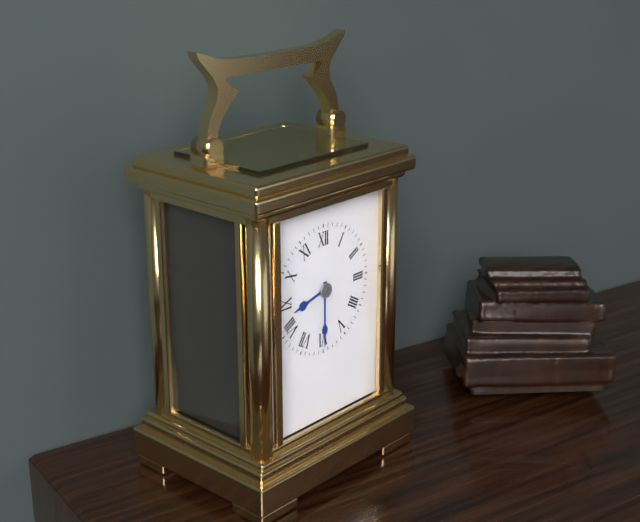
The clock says {"hour": 8, "minute": 30}
